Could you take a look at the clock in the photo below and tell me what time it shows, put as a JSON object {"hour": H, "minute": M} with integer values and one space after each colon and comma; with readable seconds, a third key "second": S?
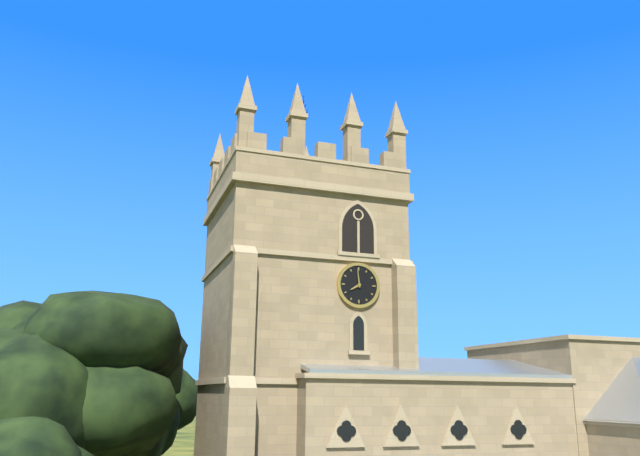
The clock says {"hour": 7, "minute": 59}
